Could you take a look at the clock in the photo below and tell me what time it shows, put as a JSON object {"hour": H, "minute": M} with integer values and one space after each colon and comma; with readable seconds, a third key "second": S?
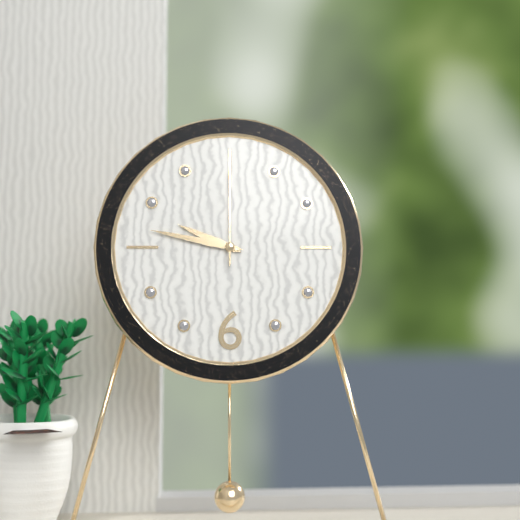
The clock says {"hour": 9, "minute": 47, "second": 0}
